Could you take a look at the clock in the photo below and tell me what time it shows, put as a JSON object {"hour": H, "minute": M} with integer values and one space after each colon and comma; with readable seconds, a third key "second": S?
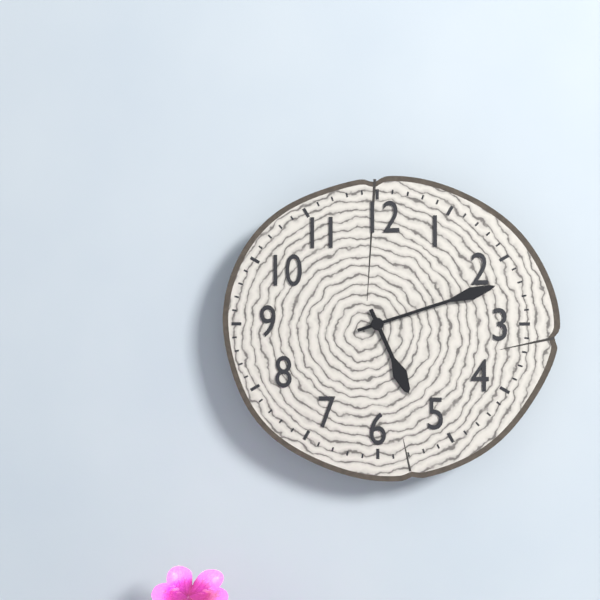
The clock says {"hour": 5, "minute": 12}
